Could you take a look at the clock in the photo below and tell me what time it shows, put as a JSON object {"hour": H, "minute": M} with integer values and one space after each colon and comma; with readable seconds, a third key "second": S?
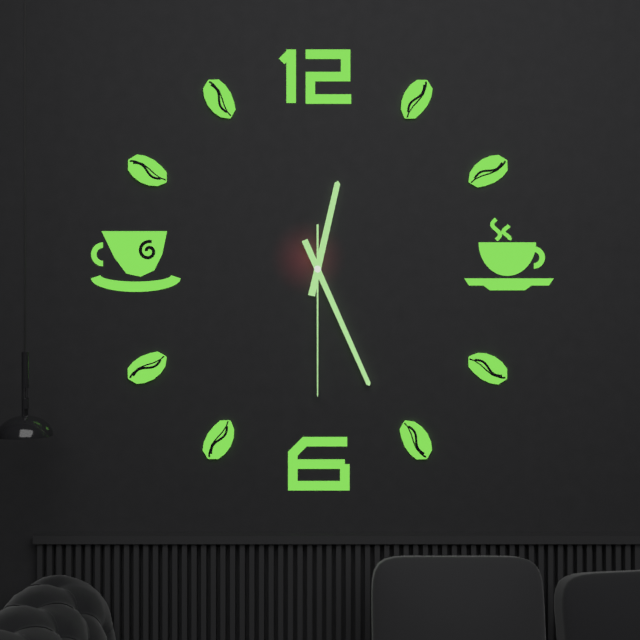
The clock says {"hour": 12, "minute": 26, "second": 30}
